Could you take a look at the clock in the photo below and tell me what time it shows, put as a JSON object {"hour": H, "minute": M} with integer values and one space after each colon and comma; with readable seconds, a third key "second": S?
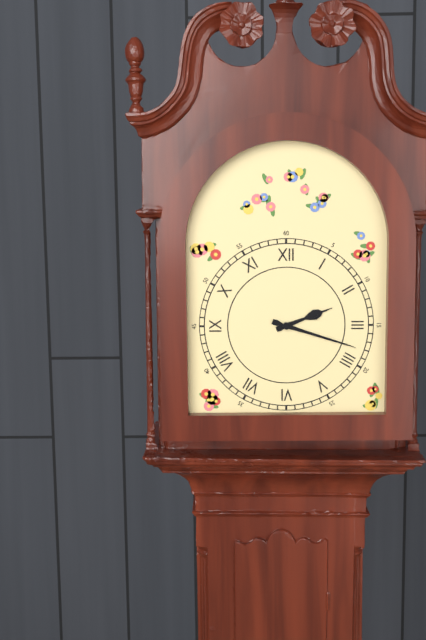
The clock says {"hour": 2, "minute": 18}
